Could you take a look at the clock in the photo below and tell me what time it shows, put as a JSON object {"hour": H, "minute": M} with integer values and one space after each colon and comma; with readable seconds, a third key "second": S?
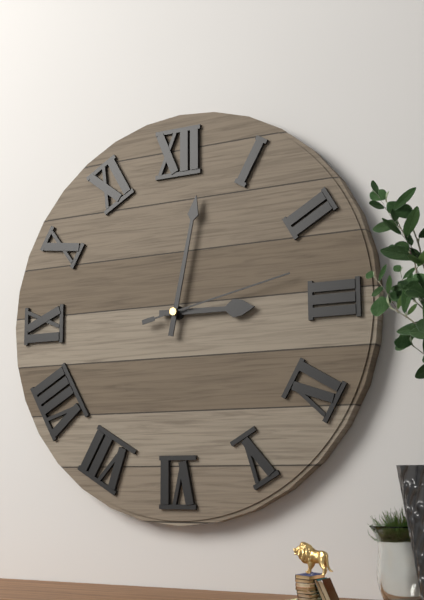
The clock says {"hour": 3, "minute": 2, "second": 13}
